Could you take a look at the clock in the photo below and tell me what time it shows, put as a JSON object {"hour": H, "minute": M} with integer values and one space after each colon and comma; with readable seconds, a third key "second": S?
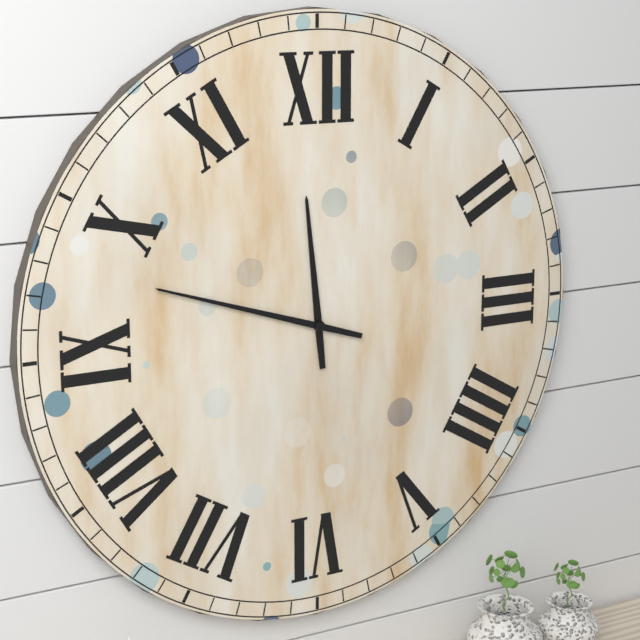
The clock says {"hour": 11, "minute": 48}
